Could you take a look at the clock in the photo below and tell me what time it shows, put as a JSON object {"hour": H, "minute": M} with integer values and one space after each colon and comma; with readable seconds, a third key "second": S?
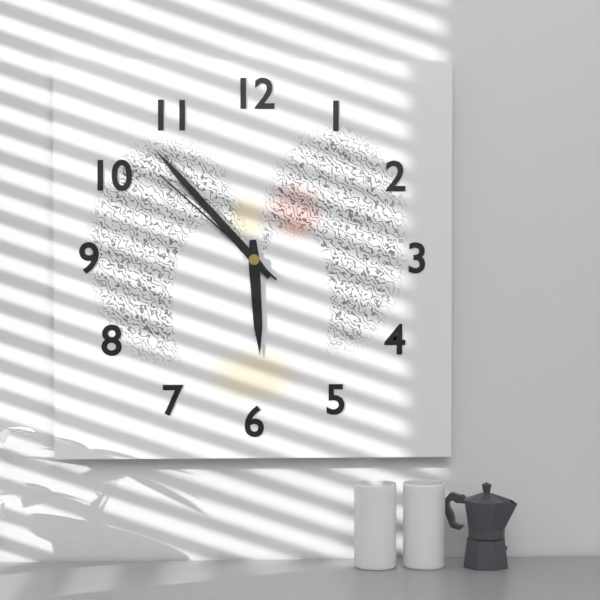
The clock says {"hour": 5, "minute": 53, "second": 52}
